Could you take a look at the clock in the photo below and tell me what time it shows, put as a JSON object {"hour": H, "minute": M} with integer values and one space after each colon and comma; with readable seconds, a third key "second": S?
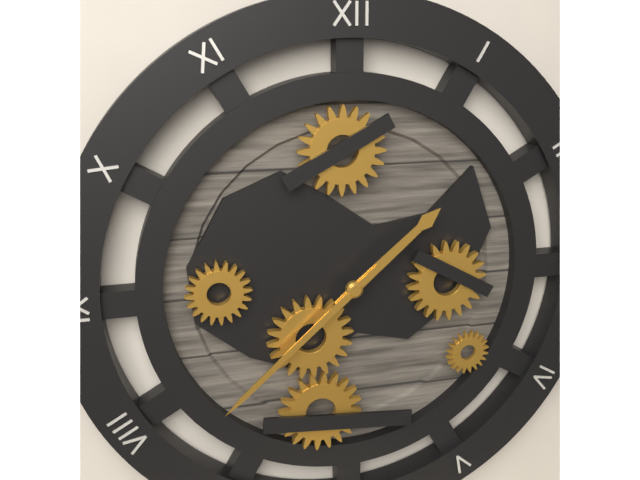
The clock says {"hour": 1, "minute": 38}
